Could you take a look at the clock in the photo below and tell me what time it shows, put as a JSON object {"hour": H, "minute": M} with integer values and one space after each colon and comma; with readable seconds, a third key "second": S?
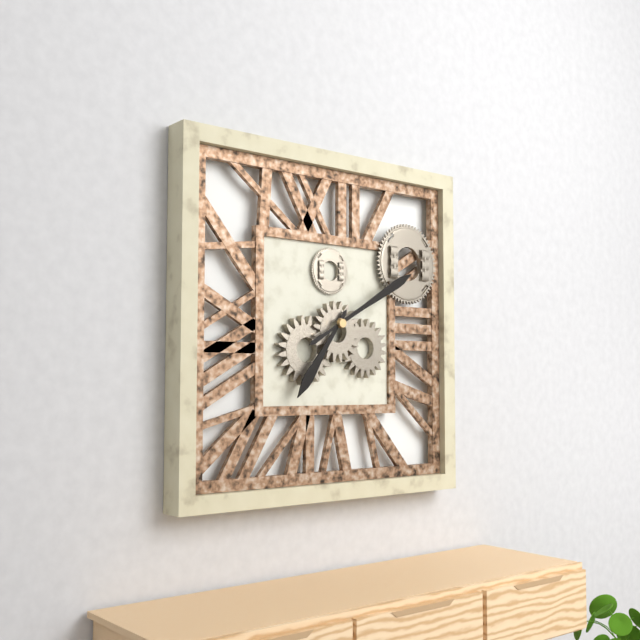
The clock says {"hour": 7, "minute": 10}
